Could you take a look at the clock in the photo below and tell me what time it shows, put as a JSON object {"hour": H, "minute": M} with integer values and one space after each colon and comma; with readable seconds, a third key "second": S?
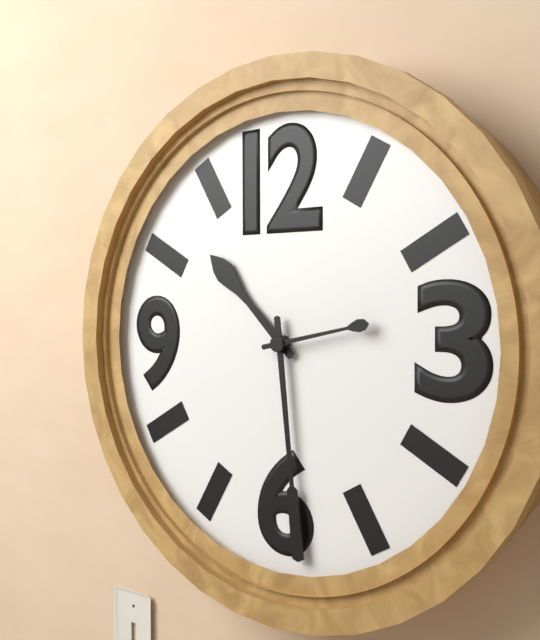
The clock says {"hour": 10, "minute": 29, "second": 13}
